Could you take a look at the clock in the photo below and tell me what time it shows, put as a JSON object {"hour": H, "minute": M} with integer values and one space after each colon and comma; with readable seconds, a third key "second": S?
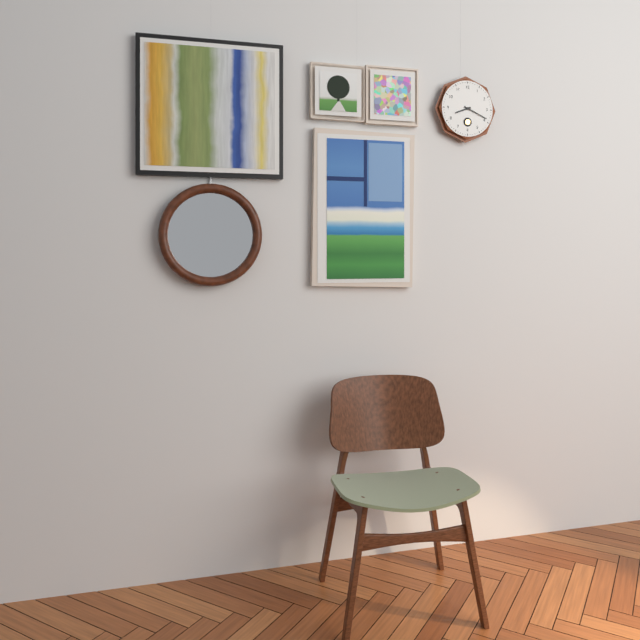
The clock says {"hour": 8, "minute": 19}
